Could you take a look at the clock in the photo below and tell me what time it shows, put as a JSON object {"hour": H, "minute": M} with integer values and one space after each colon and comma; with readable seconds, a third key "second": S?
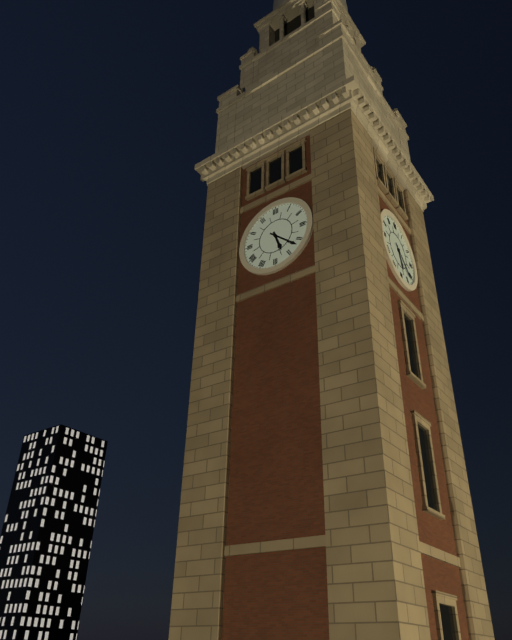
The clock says {"hour": 5, "minute": 22}
